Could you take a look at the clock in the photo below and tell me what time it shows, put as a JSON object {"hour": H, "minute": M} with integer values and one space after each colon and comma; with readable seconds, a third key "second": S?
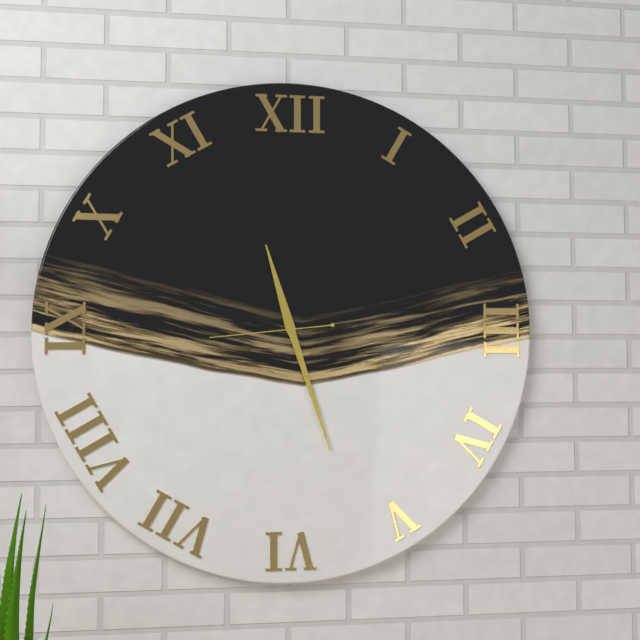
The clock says {"hour": 11, "minute": 27, "second": 44}
